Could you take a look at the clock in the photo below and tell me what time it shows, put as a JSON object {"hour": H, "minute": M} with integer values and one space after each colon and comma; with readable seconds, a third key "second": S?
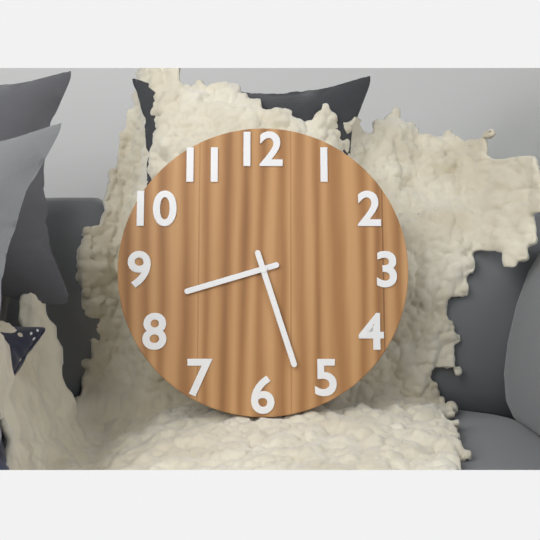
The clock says {"hour": 8, "minute": 27}
